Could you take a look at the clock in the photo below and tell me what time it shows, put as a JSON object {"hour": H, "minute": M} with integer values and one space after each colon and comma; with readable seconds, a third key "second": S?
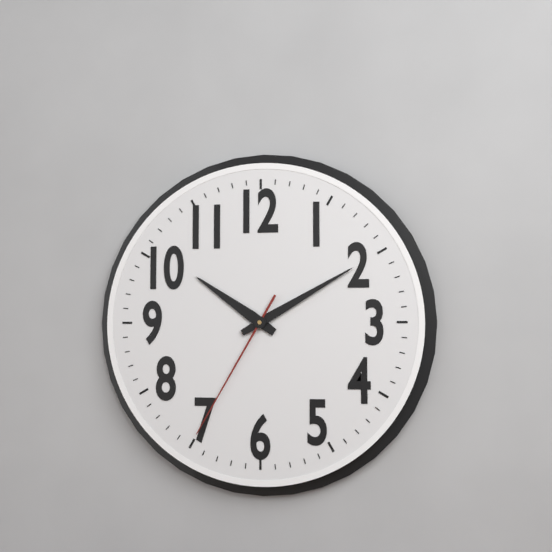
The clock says {"hour": 10, "minute": 10, "second": 35}
